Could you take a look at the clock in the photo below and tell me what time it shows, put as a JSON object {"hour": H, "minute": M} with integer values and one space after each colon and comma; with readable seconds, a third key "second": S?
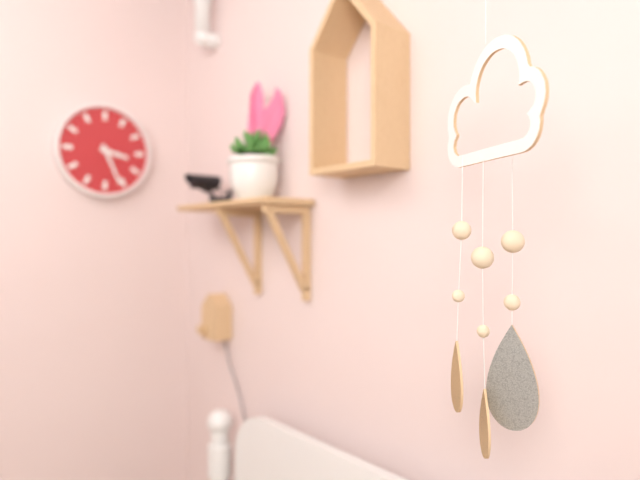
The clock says {"hour": 3, "minute": 26}
